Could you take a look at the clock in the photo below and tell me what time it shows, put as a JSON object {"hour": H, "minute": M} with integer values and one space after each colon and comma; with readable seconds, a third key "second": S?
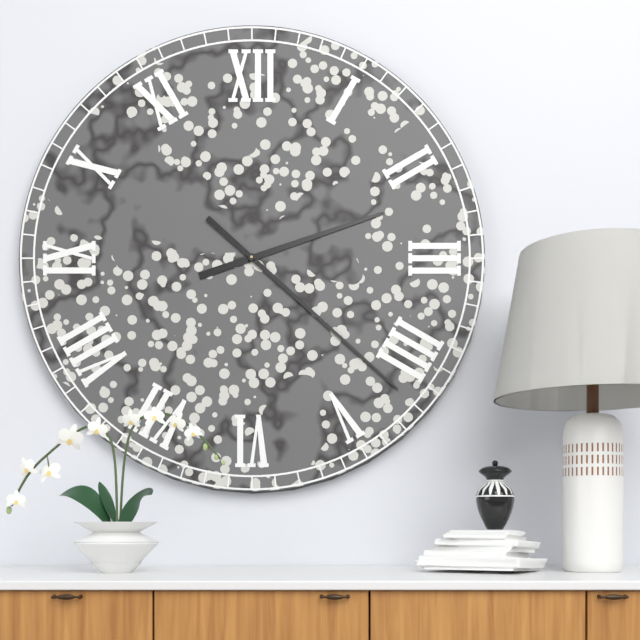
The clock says {"hour": 2, "minute": 22}
